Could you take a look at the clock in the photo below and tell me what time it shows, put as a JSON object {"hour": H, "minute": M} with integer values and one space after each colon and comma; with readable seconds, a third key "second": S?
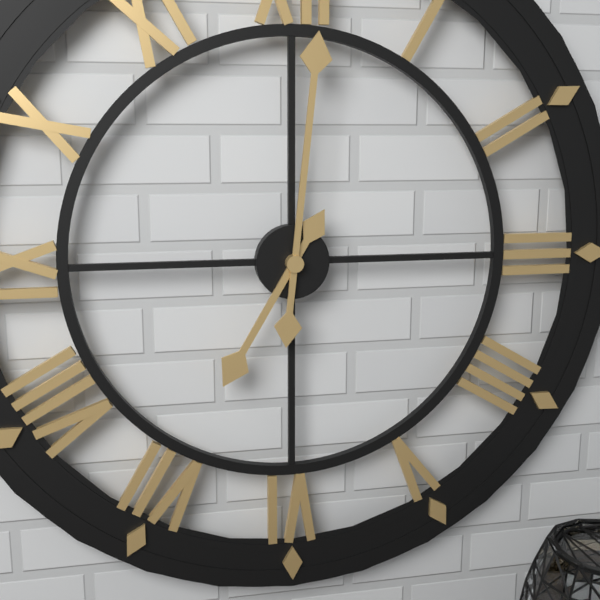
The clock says {"hour": 7, "minute": 1}
